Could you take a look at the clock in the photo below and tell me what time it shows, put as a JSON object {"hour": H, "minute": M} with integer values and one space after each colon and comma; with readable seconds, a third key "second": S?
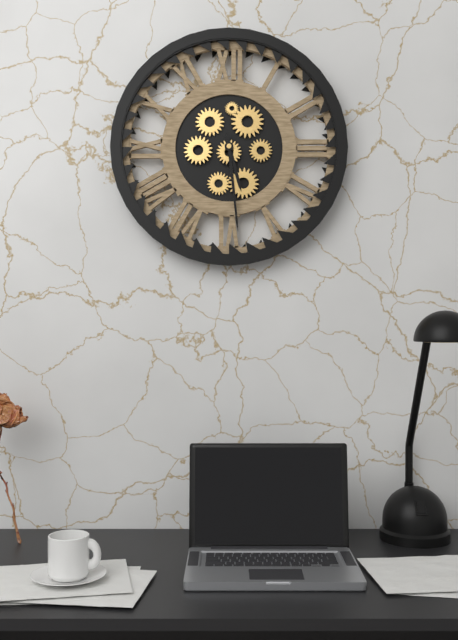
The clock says {"hour": 5, "minute": 29}
